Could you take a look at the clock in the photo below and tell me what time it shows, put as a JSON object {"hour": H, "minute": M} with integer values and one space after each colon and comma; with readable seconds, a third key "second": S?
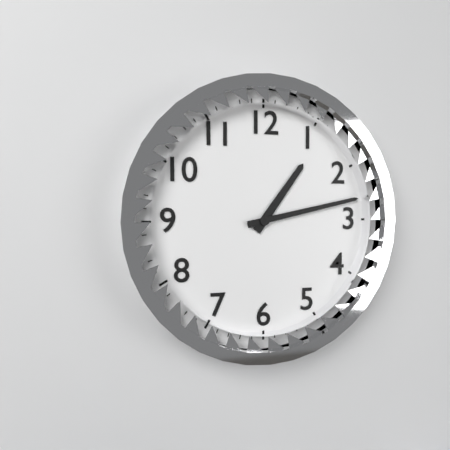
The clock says {"hour": 1, "minute": 13}
